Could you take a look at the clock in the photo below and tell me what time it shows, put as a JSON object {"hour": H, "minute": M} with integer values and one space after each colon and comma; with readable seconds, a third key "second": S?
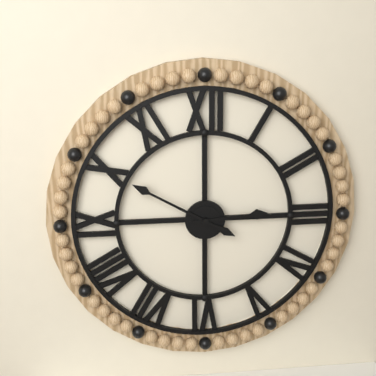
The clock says {"hour": 2, "minute": 50}
